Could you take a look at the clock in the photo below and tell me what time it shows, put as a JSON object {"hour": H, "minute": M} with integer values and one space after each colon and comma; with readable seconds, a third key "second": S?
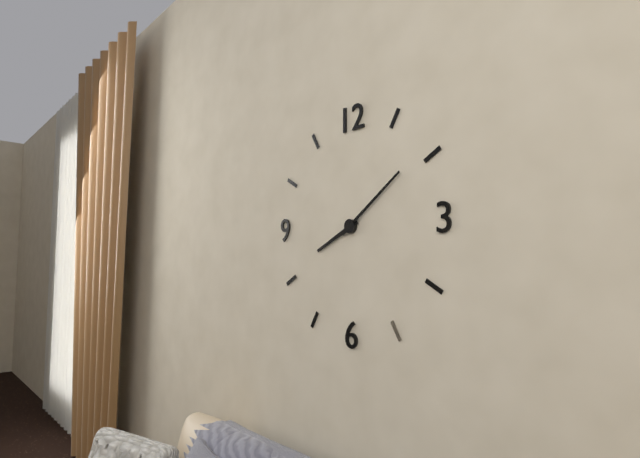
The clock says {"hour": 8, "minute": 9}
